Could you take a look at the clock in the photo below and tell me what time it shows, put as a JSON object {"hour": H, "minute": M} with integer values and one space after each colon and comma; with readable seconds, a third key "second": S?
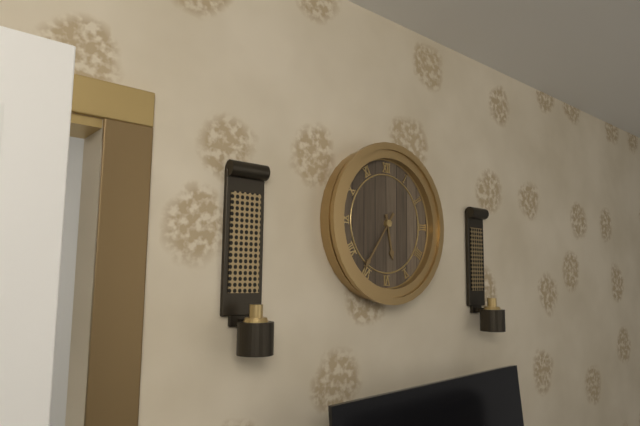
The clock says {"hour": 5, "minute": 36}
